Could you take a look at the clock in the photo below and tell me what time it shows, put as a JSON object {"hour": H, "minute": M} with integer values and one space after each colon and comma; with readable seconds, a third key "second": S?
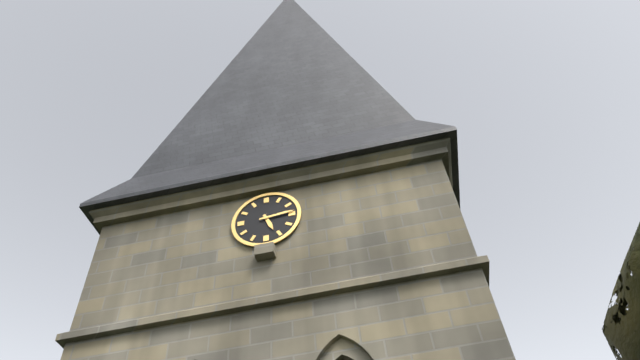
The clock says {"hour": 5, "minute": 14}
